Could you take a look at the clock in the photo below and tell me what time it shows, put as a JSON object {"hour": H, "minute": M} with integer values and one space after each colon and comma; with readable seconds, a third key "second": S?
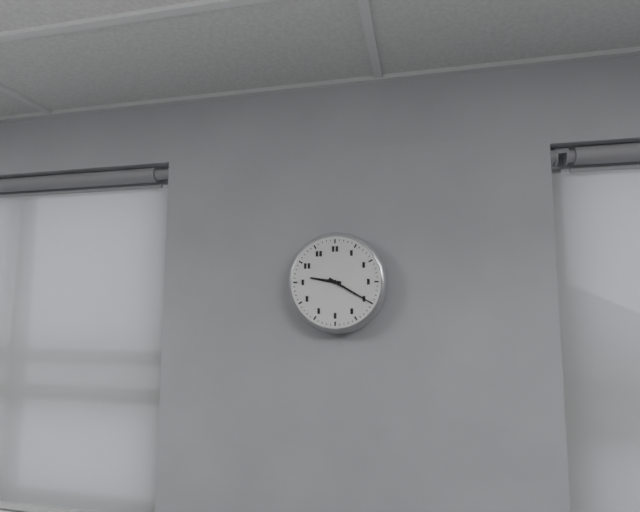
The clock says {"hour": 9, "minute": 20}
